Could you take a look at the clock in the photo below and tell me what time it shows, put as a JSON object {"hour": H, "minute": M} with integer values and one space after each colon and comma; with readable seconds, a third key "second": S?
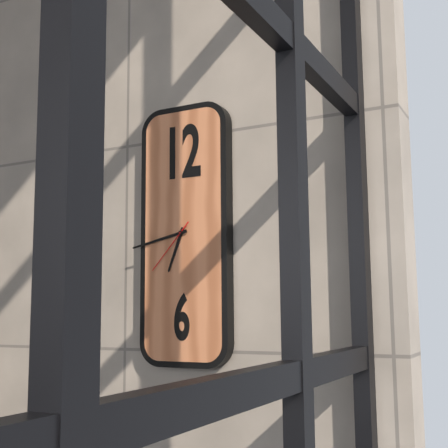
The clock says {"hour": 6, "minute": 43, "second": 37}
